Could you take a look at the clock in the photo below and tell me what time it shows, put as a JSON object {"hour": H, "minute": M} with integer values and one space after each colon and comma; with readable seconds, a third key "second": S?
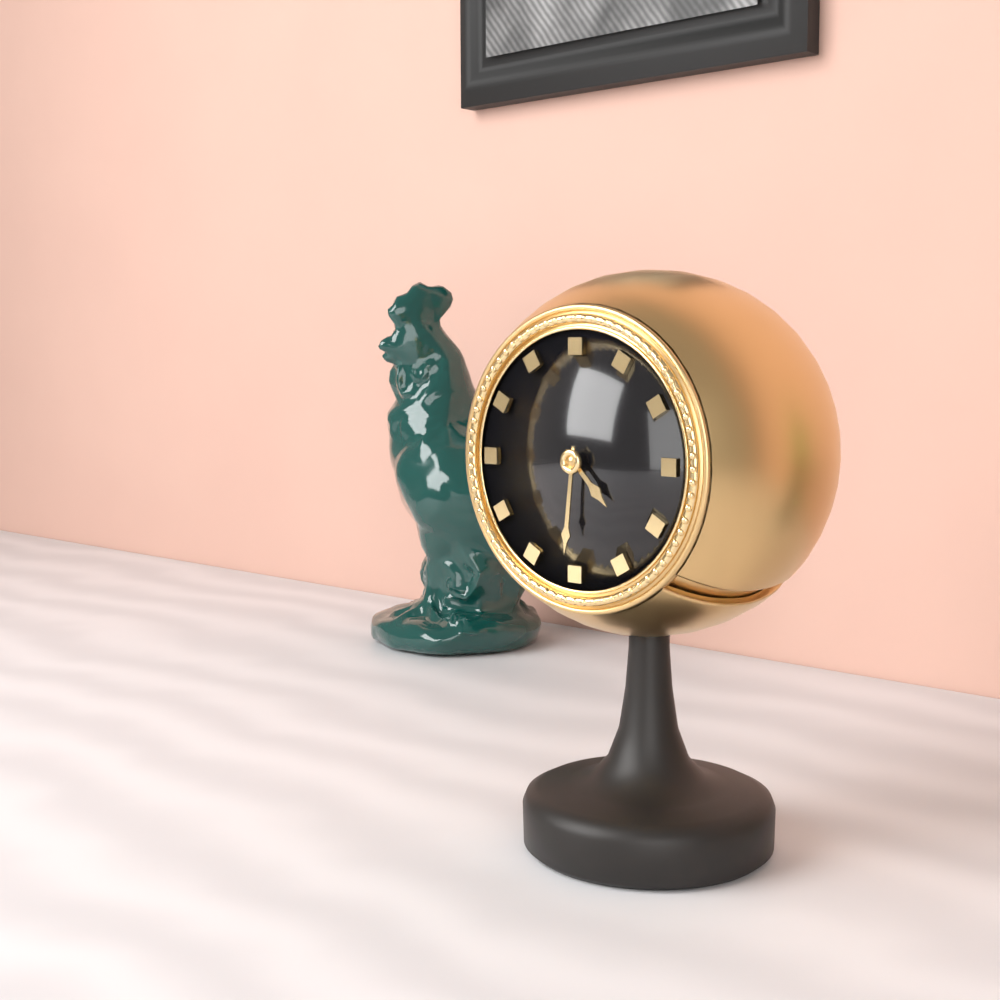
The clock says {"hour": 4, "minute": 31}
